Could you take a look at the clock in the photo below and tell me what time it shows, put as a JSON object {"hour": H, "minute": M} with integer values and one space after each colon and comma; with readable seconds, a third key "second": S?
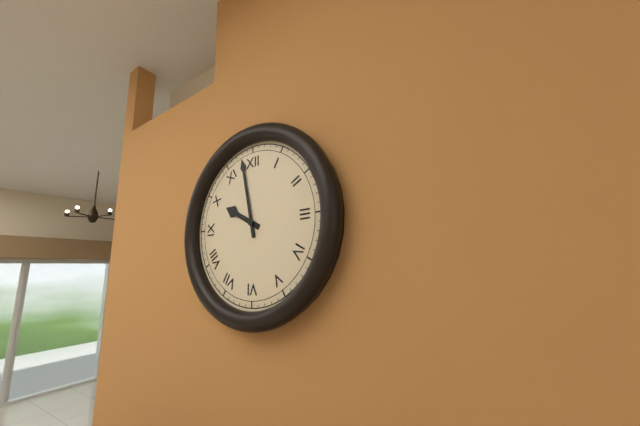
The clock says {"hour": 9, "minute": 58}
